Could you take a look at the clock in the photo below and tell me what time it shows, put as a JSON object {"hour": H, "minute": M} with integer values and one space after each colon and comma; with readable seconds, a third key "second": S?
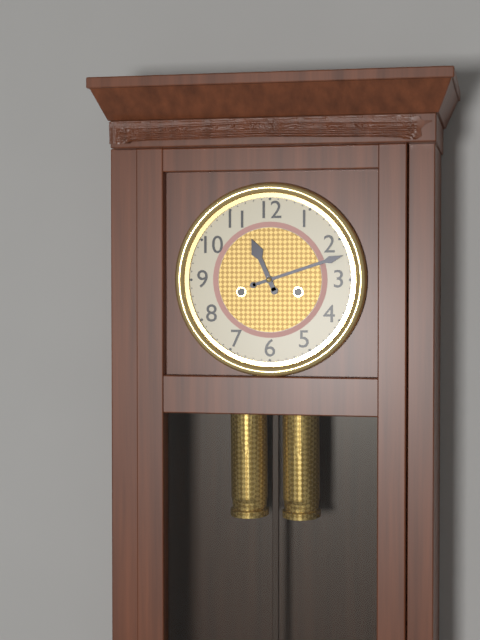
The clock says {"hour": 11, "minute": 12}
